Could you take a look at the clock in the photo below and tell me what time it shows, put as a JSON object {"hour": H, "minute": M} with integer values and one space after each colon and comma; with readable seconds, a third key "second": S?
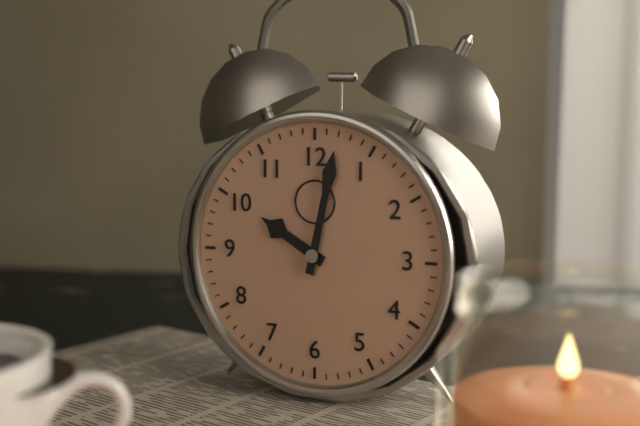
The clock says {"hour": 10, "minute": 2}
